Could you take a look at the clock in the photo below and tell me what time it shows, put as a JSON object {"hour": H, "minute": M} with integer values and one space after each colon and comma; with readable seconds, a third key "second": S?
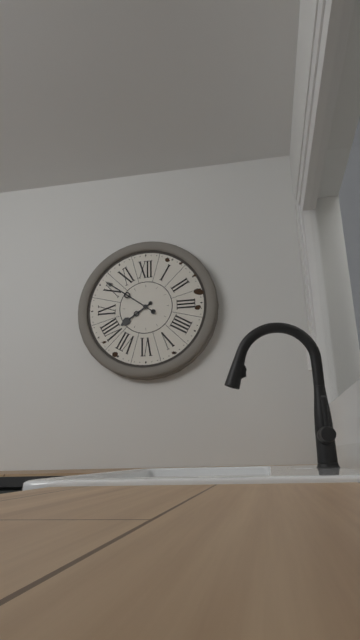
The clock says {"hour": 7, "minute": 51}
